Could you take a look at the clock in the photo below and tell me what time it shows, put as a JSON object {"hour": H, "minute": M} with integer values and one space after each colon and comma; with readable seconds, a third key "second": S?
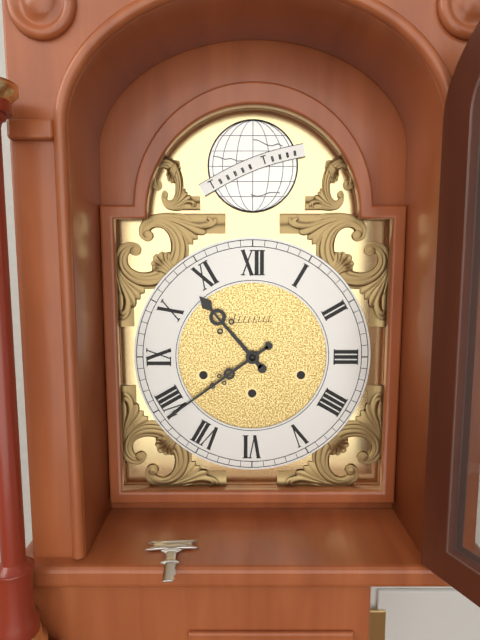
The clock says {"hour": 10, "minute": 39}
